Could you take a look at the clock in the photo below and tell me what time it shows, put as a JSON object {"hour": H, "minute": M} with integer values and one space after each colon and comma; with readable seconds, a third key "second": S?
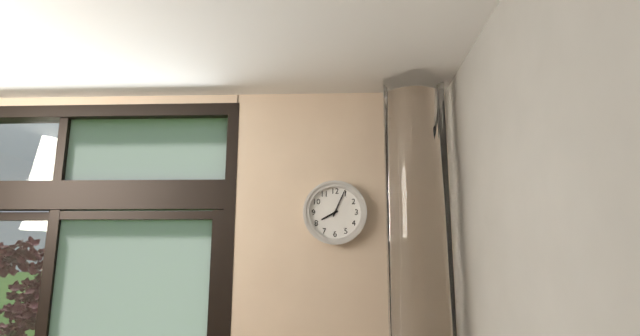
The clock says {"hour": 8, "minute": 4}
